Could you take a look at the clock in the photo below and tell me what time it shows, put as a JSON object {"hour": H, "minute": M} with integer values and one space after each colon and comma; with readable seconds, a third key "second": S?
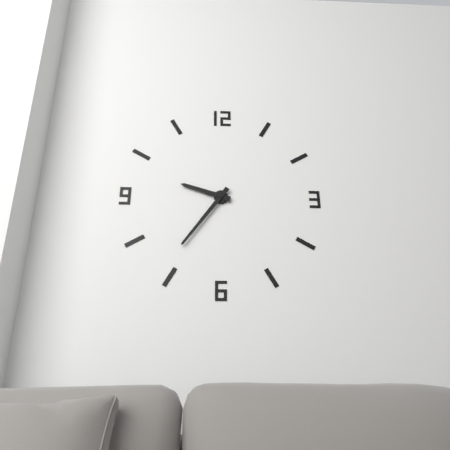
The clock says {"hour": 9, "minute": 36}
